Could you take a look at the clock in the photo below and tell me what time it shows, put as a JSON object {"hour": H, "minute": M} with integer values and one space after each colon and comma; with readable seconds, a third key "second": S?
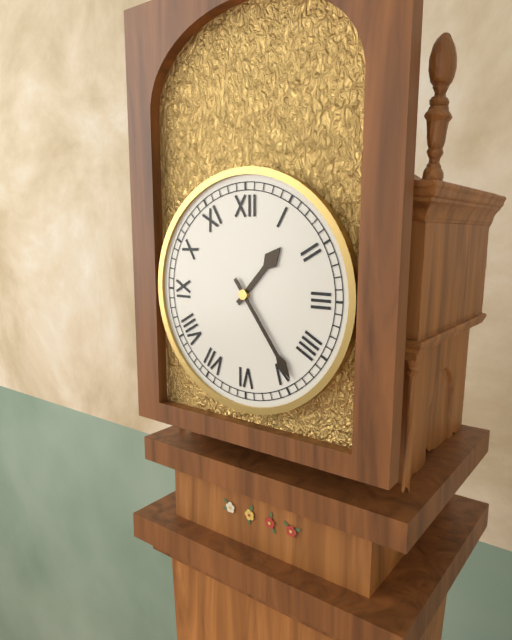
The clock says {"hour": 1, "minute": 24}
